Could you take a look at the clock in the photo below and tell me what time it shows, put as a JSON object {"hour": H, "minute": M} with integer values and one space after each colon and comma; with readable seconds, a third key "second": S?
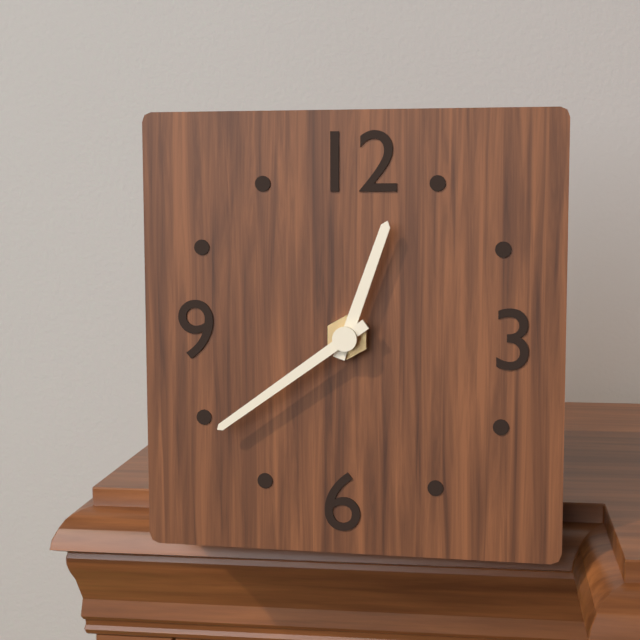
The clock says {"hour": 12, "minute": 39}
